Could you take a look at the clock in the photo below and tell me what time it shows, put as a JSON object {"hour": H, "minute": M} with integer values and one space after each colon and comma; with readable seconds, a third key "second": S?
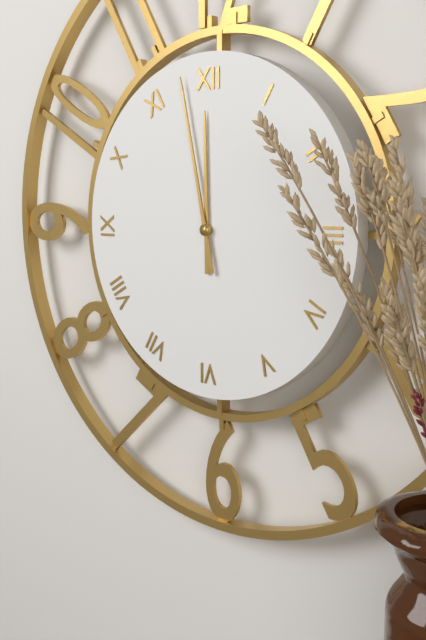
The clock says {"hour": 11, "minute": 58}
